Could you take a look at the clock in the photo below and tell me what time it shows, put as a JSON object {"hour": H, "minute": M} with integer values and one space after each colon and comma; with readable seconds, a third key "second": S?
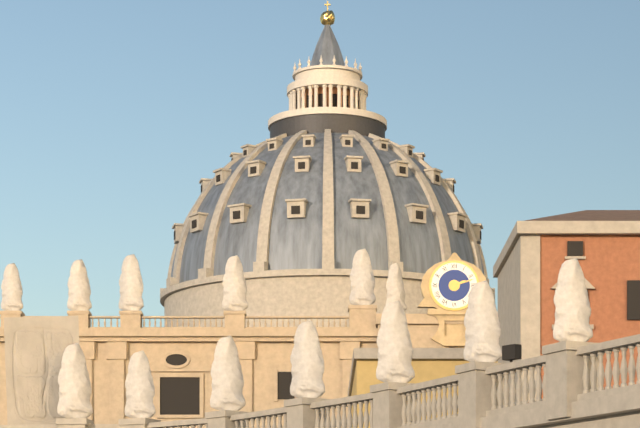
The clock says {"hour": 2, "minute": 12}
